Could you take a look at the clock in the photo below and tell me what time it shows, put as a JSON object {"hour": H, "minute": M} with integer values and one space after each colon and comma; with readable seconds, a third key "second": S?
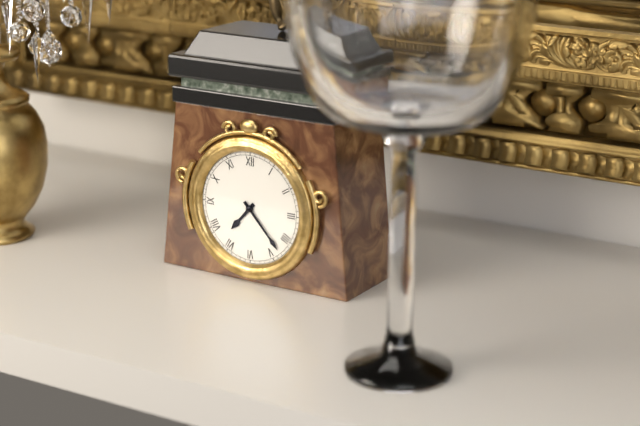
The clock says {"hour": 7, "minute": 23}
